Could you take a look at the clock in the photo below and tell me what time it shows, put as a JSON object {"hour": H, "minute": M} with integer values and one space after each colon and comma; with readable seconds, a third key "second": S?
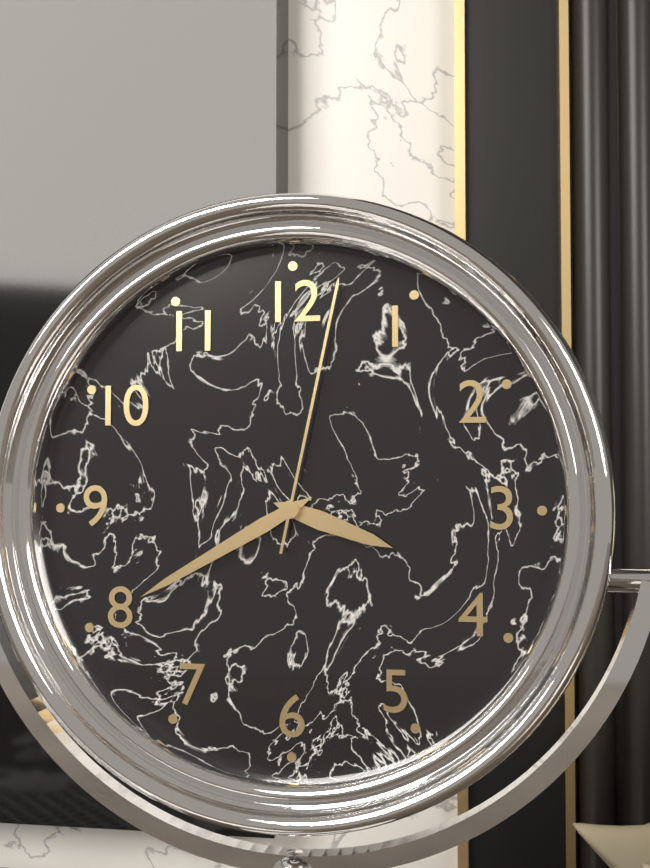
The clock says {"hour": 3, "minute": 40, "second": 2}
